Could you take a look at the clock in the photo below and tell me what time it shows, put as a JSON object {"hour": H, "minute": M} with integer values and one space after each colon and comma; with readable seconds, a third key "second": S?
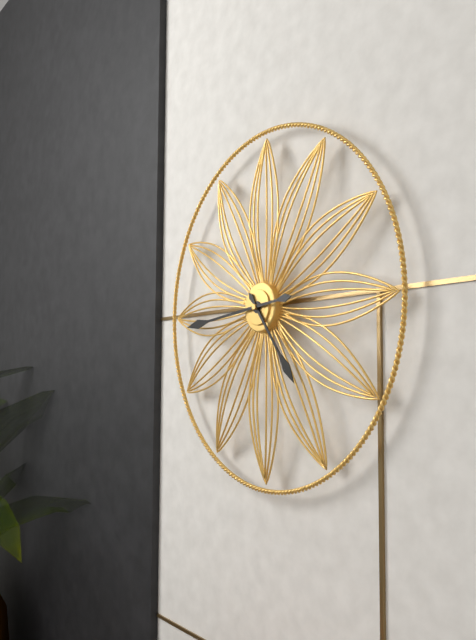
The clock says {"hour": 4, "minute": 44}
